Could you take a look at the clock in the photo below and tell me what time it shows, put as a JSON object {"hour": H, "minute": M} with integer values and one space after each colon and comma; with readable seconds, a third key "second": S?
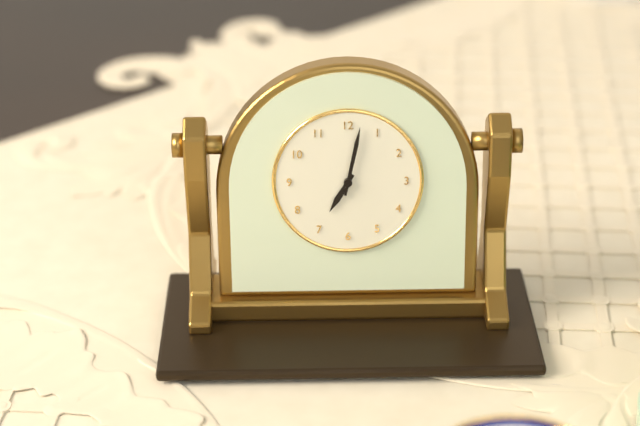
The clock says {"hour": 7, "minute": 2}
